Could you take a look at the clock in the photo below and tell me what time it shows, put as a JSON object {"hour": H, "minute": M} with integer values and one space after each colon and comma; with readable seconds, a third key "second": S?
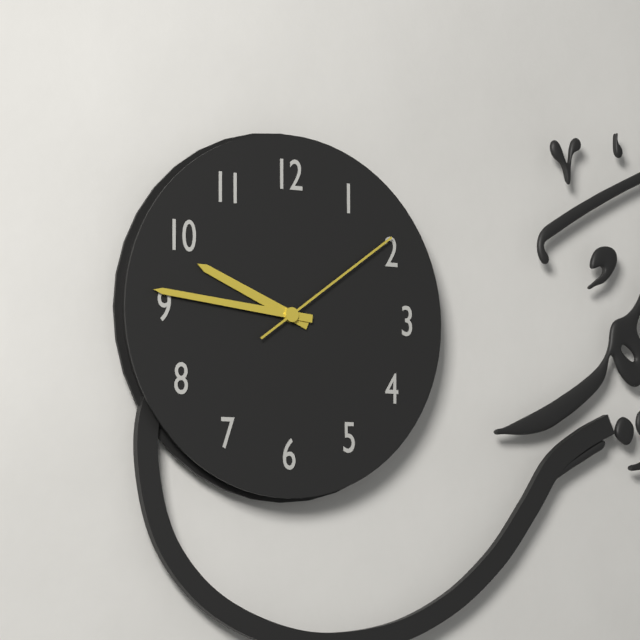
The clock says {"hour": 9, "minute": 46, "second": 9}
